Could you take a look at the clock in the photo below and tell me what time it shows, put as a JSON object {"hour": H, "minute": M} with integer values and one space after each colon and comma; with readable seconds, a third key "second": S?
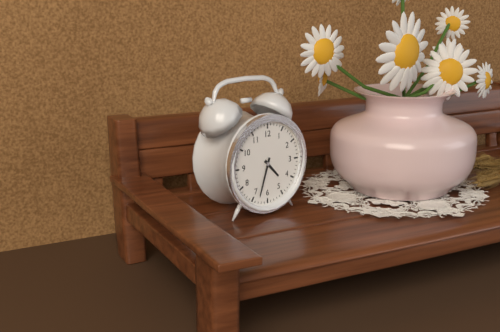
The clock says {"hour": 4, "minute": 33}
